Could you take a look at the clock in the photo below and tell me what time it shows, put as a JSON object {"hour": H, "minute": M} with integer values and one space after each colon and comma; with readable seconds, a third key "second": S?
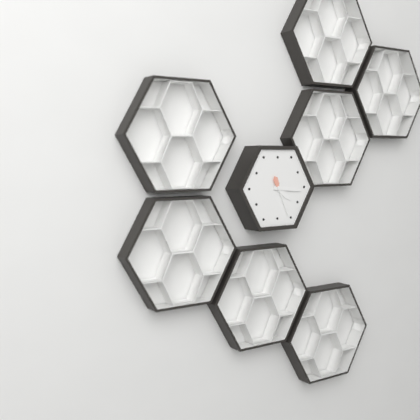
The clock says {"hour": 4, "minute": 16}
